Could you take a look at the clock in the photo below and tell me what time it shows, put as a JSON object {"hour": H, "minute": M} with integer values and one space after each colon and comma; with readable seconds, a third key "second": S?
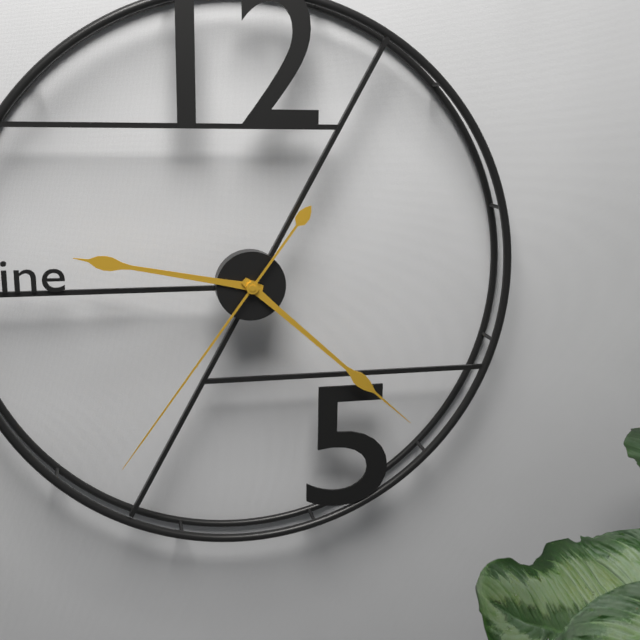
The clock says {"hour": 9, "minute": 22, "second": 36}
